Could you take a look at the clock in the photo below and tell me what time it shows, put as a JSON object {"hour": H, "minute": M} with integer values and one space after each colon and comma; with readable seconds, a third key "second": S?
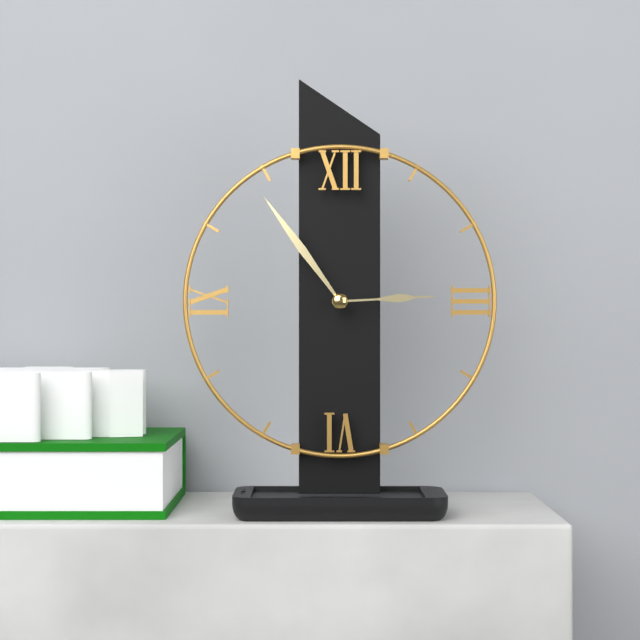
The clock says {"hour": 2, "minute": 54}
